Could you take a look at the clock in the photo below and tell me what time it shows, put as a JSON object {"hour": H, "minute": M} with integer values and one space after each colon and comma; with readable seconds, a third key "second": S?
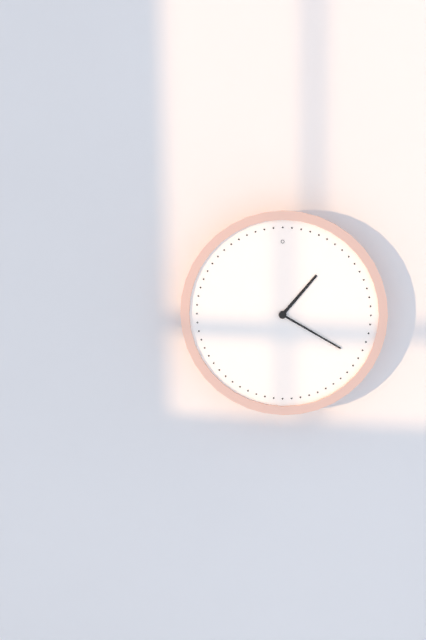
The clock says {"hour": 1, "minute": 20}
